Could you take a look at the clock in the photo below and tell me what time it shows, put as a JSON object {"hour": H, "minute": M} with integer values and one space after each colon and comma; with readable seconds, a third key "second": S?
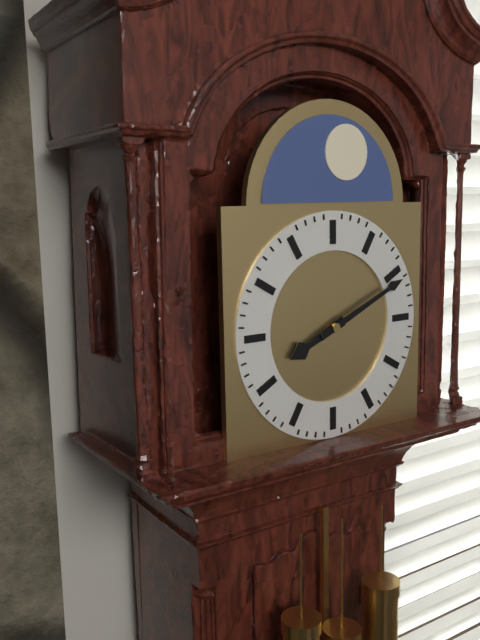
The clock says {"hour": 8, "minute": 11}
